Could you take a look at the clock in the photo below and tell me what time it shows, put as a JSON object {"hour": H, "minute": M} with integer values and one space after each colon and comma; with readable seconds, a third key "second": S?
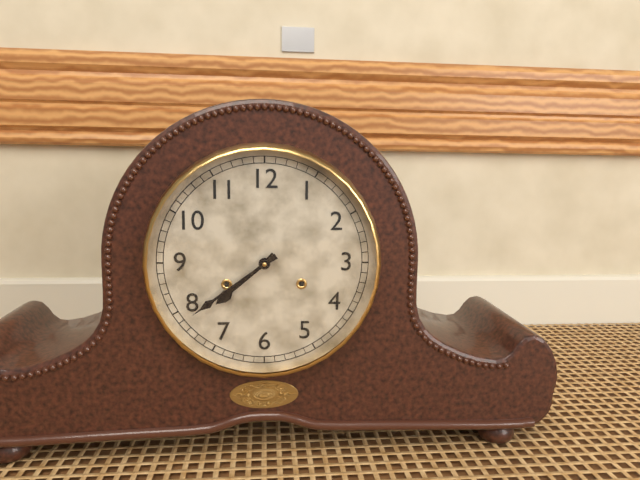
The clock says {"hour": 7, "minute": 39}
